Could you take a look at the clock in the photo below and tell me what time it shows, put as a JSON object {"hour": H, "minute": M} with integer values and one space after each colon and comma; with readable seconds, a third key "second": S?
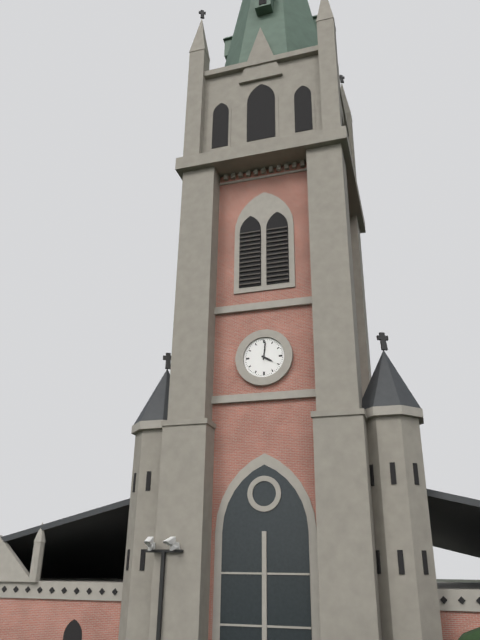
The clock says {"hour": 4, "minute": 1}
